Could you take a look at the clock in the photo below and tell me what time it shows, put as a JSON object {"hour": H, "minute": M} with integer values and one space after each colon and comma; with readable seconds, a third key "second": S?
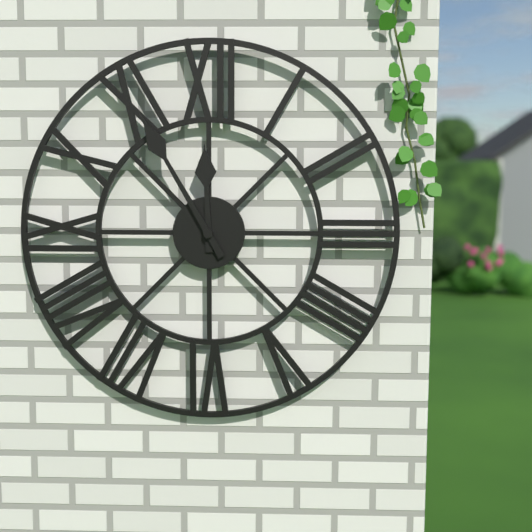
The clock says {"hour": 11, "minute": 55}
